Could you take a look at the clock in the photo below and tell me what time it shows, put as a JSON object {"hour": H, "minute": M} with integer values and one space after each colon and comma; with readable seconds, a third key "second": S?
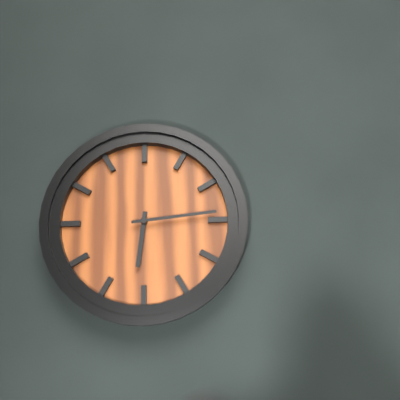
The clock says {"hour": 6, "minute": 14}
